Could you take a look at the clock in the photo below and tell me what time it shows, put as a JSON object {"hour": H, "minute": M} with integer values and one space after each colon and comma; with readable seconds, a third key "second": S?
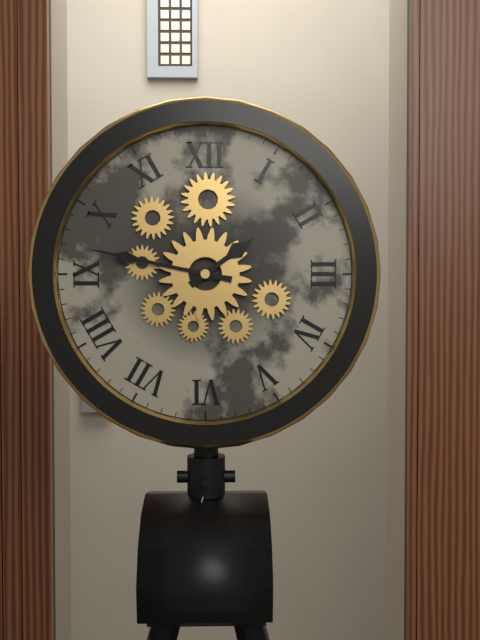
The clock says {"hour": 1, "minute": 47}
